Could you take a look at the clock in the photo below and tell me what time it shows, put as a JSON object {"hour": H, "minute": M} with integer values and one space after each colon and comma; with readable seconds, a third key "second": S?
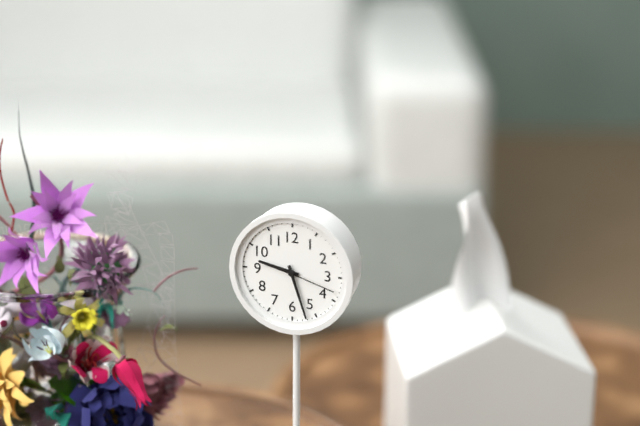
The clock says {"hour": 9, "minute": 27, "second": 18}
